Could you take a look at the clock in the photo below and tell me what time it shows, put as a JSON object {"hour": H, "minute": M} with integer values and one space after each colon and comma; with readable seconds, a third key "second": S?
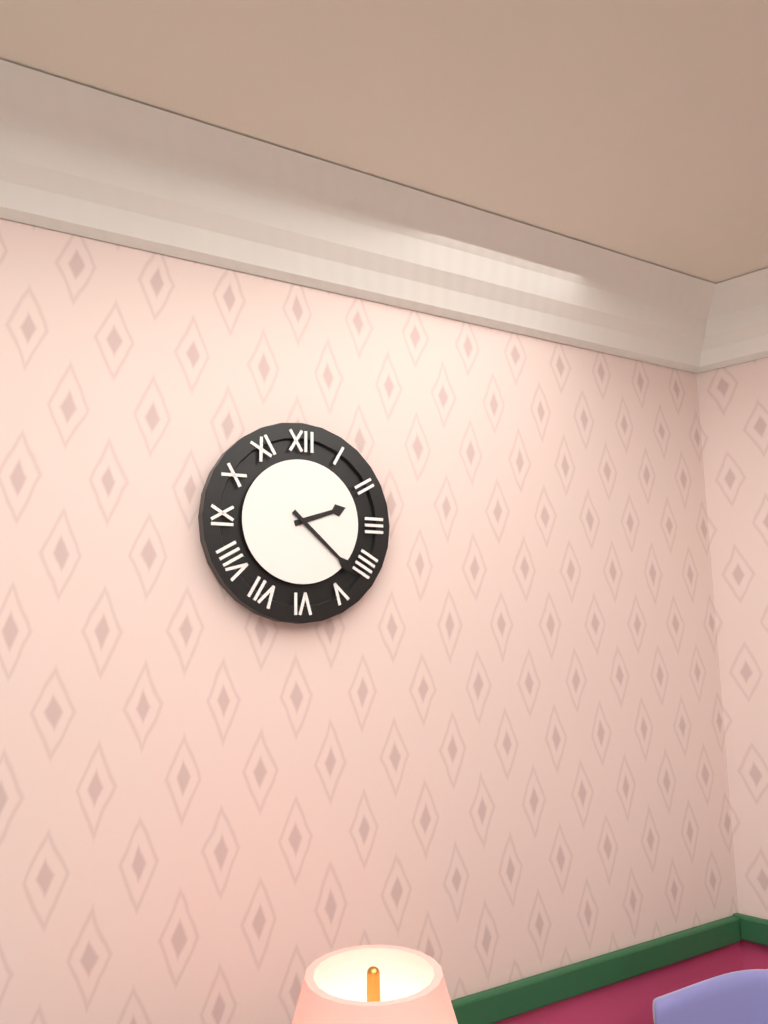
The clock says {"hour": 2, "minute": 22}
